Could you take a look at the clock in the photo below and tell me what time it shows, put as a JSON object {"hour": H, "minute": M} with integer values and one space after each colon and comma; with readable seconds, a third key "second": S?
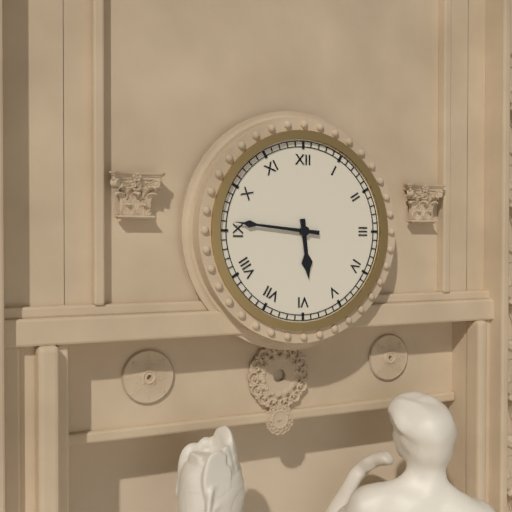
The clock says {"hour": 5, "minute": 46}
